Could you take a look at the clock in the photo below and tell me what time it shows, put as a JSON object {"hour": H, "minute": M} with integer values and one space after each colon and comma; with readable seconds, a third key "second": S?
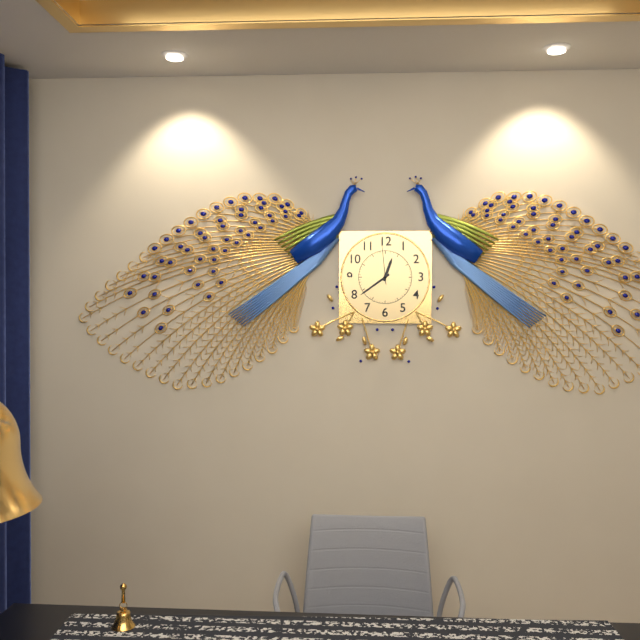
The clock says {"hour": 12, "minute": 39}
